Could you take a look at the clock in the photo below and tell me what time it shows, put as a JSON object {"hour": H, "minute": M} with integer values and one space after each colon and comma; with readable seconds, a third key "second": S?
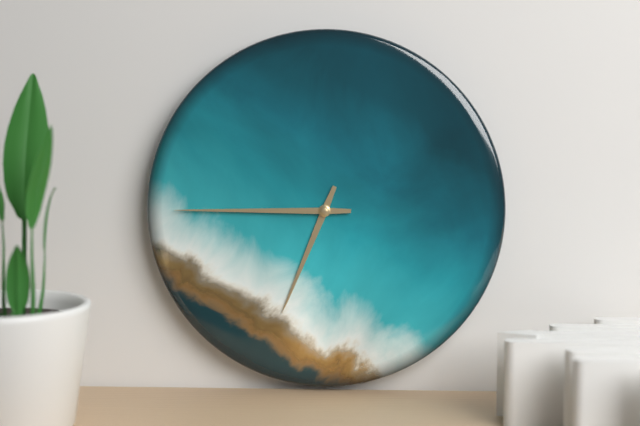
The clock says {"hour": 6, "minute": 45}
